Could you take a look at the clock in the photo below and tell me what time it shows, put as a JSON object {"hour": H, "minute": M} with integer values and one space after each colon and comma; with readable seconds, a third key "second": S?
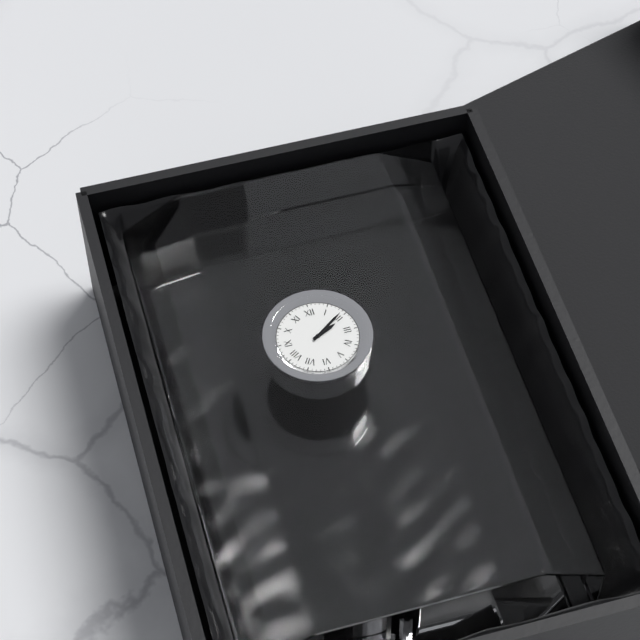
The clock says {"hour": 2, "minute": 9}
